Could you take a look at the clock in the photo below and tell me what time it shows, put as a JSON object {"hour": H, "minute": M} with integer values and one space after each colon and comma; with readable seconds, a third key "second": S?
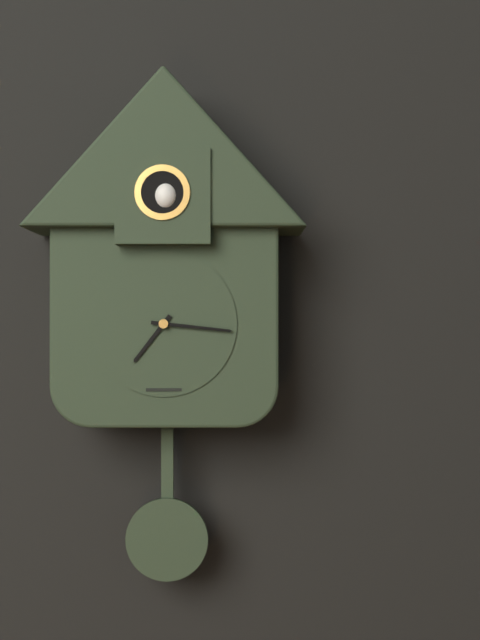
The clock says {"hour": 7, "minute": 16}
